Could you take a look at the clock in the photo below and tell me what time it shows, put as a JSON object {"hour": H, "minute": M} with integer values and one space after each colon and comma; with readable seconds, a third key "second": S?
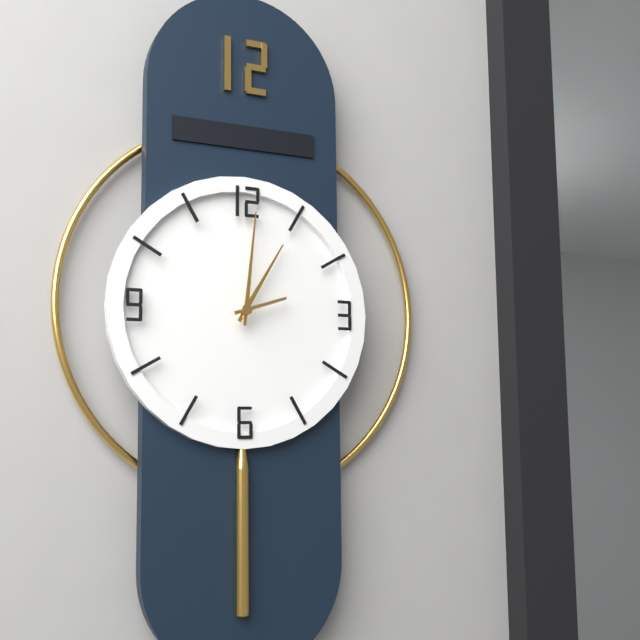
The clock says {"hour": 1, "minute": 1, "second": 12}
